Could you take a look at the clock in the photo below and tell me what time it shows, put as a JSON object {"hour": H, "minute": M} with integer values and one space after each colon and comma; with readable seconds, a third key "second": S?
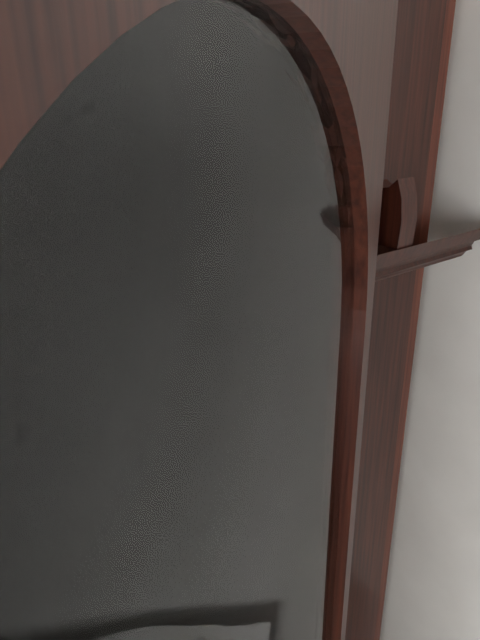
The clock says {"hour": 6, "minute": 6}
